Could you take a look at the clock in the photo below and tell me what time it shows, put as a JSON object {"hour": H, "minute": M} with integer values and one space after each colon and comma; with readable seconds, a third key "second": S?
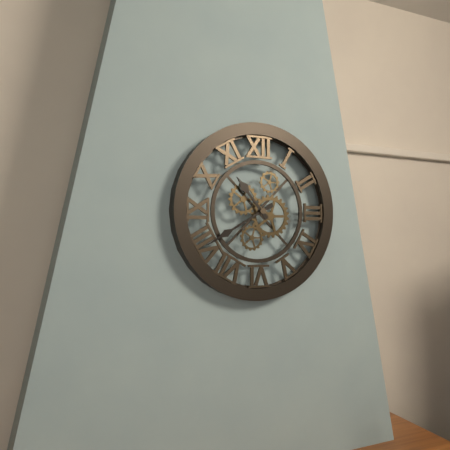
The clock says {"hour": 10, "minute": 40}
